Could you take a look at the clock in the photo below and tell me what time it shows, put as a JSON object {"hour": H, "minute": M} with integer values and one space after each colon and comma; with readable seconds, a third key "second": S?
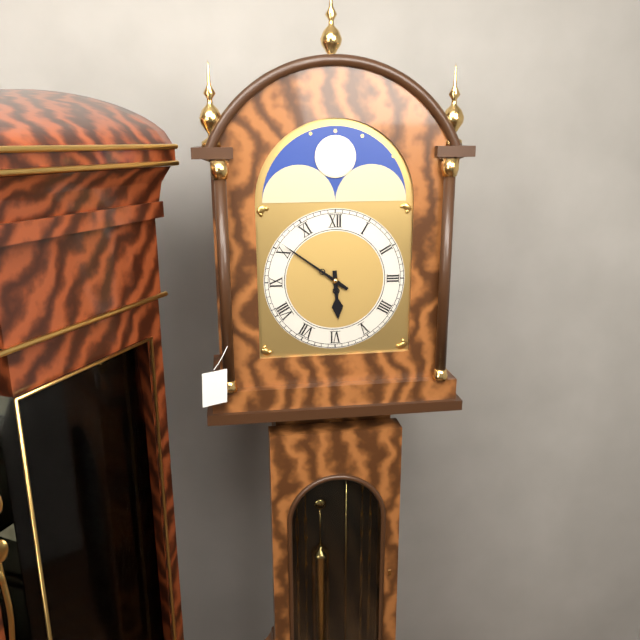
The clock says {"hour": 5, "minute": 51}
